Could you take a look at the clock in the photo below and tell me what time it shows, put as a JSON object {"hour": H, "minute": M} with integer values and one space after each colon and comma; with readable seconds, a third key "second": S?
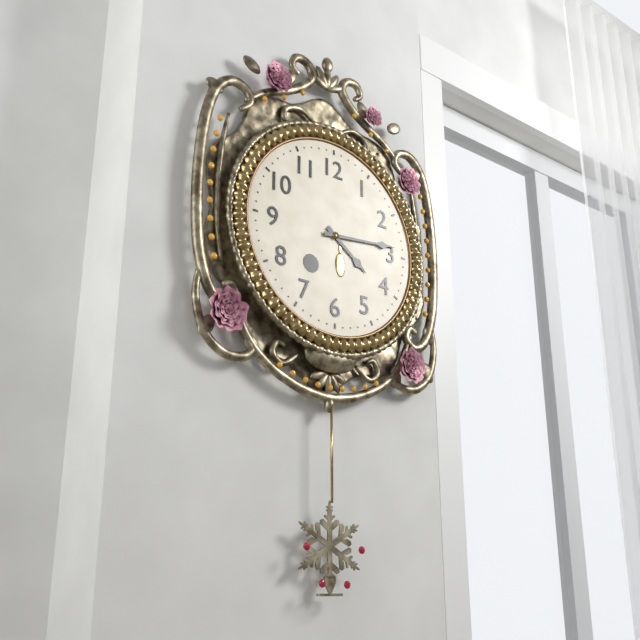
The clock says {"hour": 4, "minute": 14}
